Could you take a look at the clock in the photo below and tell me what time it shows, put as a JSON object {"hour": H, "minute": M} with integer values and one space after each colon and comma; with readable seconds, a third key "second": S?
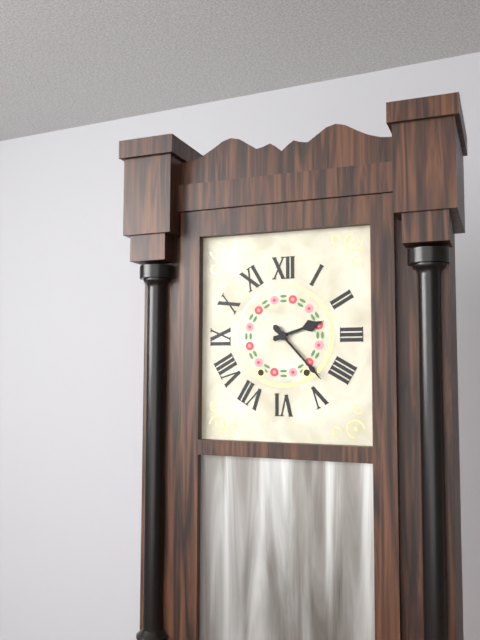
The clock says {"hour": 2, "minute": 23}
